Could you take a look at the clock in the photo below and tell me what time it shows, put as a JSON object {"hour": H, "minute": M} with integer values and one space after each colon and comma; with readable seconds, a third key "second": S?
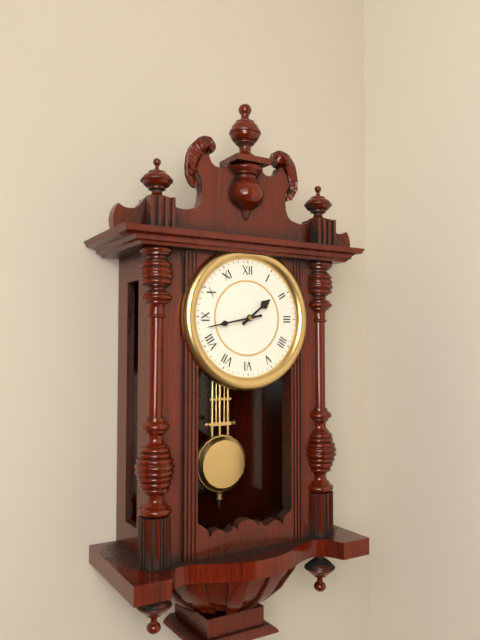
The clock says {"hour": 1, "minute": 43}
